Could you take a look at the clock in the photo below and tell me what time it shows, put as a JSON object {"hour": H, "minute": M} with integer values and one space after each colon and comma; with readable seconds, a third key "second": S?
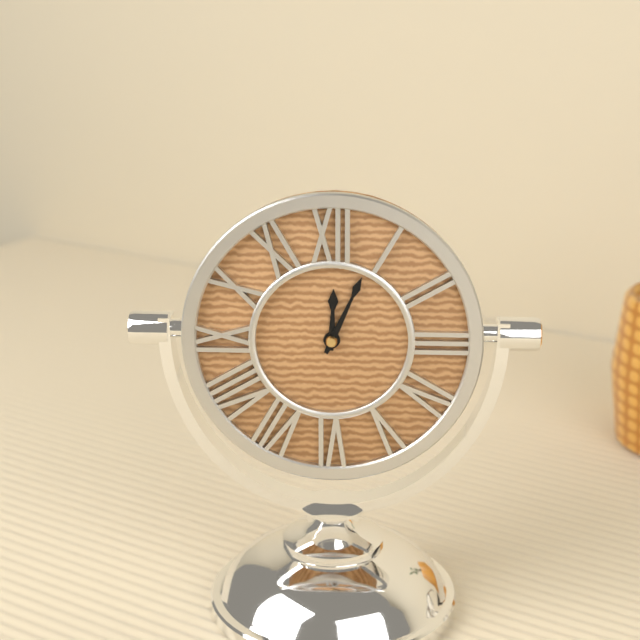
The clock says {"hour": 12, "minute": 4}
